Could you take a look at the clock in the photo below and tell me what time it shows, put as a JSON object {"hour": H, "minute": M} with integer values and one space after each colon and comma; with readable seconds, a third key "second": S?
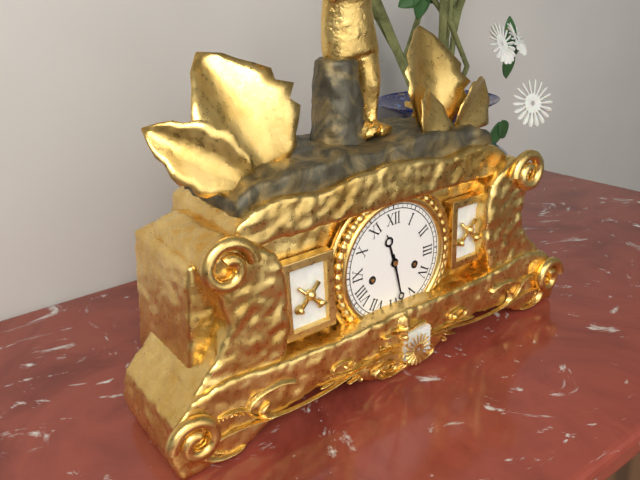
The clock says {"hour": 11, "minute": 28}
